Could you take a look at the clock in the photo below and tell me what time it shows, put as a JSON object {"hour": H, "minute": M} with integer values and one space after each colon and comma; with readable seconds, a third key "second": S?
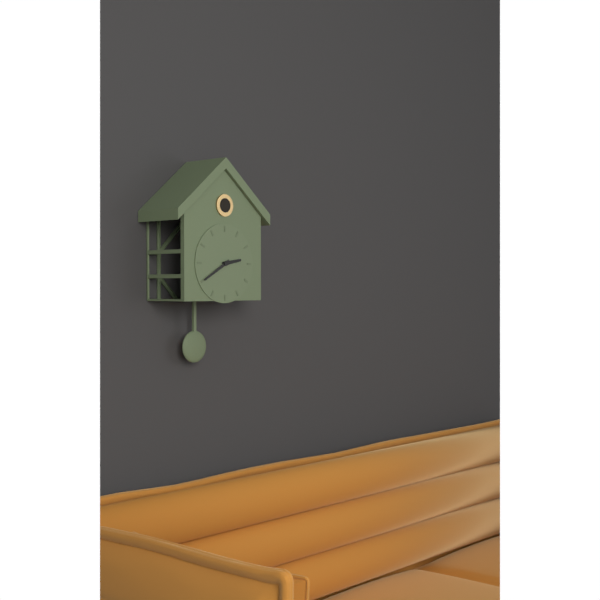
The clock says {"hour": 2, "minute": 40}
